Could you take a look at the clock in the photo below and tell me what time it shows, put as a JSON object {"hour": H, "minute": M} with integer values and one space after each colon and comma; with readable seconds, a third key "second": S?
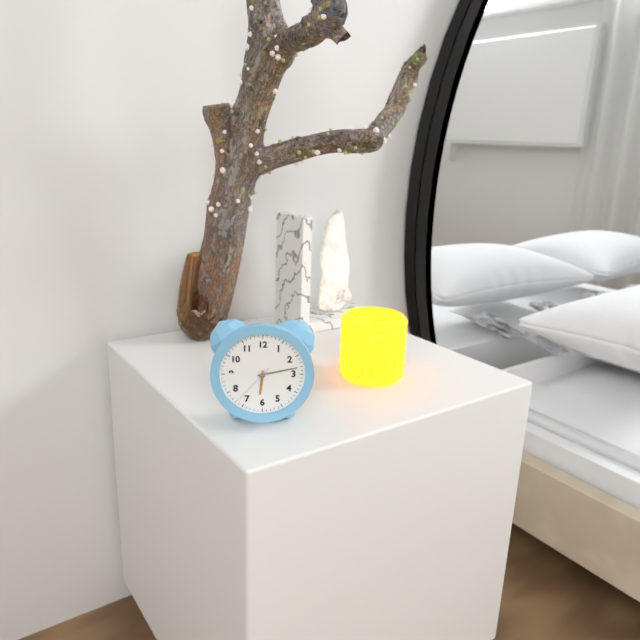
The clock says {"hour": 6, "minute": 13}
